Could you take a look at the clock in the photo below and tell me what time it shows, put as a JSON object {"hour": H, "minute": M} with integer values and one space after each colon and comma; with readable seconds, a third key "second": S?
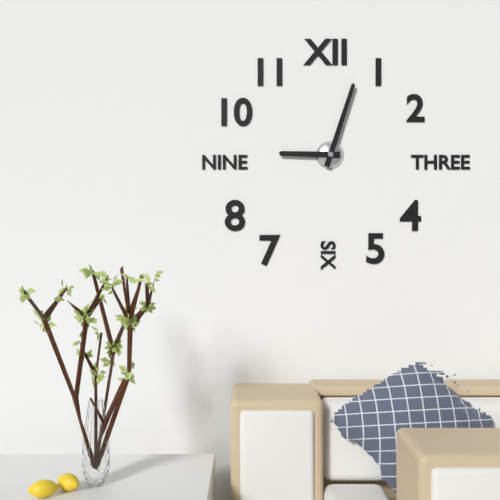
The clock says {"hour": 9, "minute": 3}
